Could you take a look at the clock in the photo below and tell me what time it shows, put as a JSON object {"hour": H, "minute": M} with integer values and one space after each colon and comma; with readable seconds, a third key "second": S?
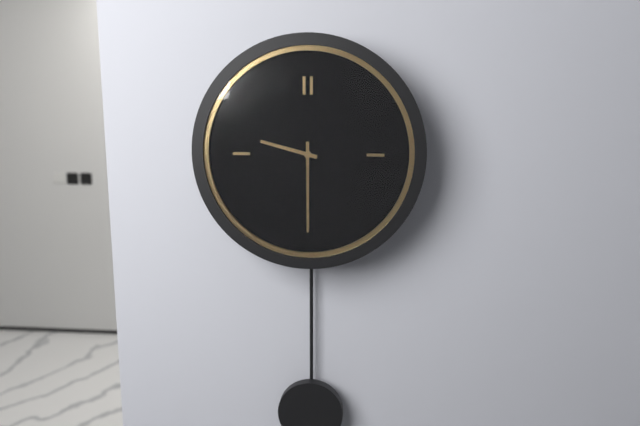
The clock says {"hour": 9, "minute": 30}
